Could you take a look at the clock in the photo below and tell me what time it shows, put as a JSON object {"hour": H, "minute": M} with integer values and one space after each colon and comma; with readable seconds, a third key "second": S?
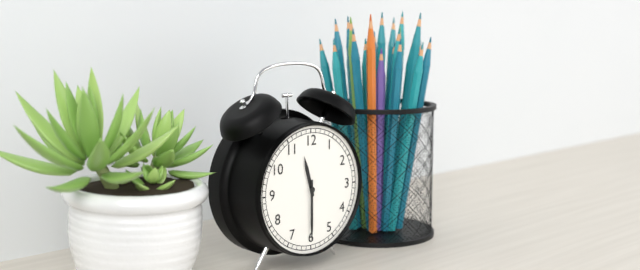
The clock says {"hour": 11, "minute": 30}
